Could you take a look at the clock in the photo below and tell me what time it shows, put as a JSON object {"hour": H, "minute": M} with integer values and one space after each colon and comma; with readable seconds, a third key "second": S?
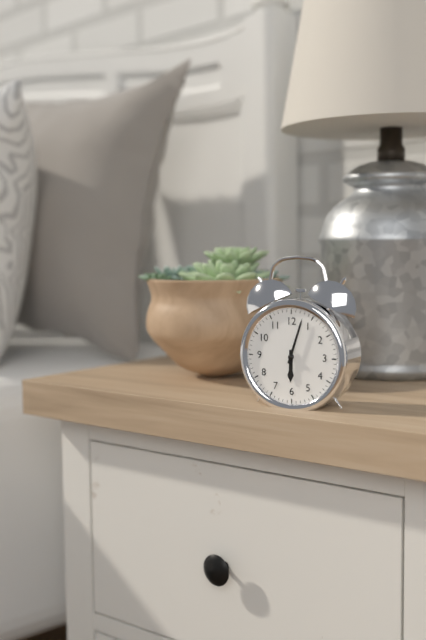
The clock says {"hour": 6, "minute": 3}
